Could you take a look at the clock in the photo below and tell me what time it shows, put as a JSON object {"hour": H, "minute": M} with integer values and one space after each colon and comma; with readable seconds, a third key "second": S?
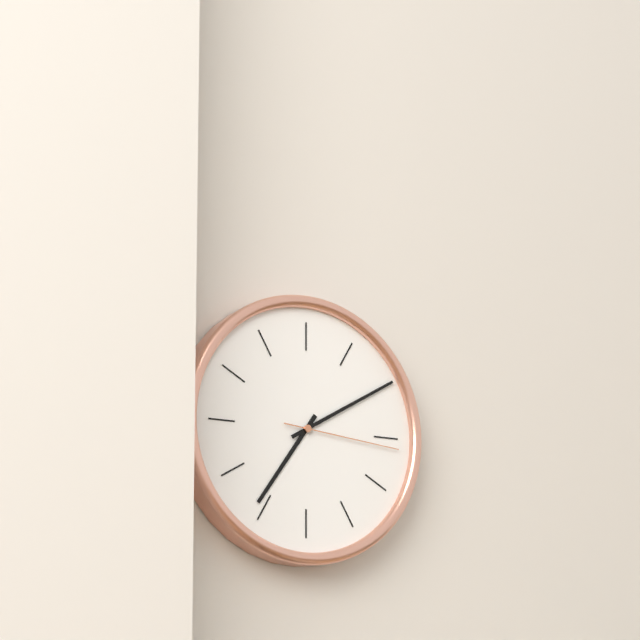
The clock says {"hour": 7, "minute": 10, "second": 16}
